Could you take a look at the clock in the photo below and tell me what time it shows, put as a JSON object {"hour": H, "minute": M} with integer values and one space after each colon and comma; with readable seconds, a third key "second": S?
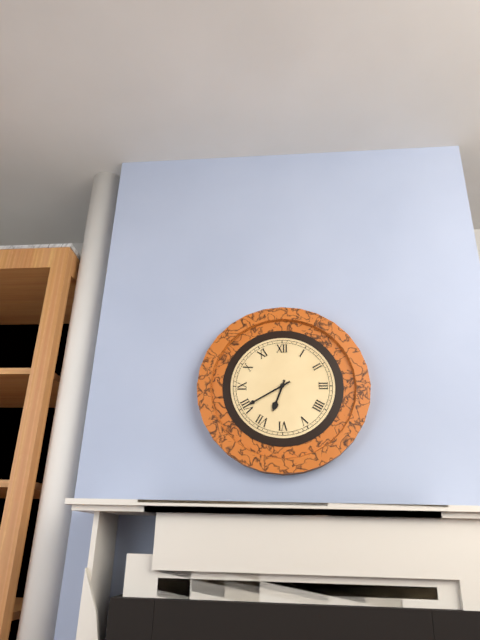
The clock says {"hour": 6, "minute": 40}
